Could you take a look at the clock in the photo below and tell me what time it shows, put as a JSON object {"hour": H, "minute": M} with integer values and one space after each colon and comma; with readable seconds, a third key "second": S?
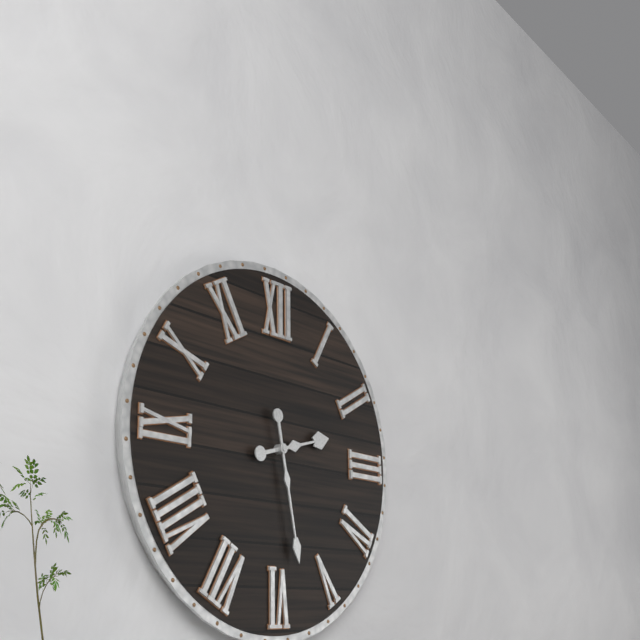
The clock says {"hour": 2, "minute": 28}
